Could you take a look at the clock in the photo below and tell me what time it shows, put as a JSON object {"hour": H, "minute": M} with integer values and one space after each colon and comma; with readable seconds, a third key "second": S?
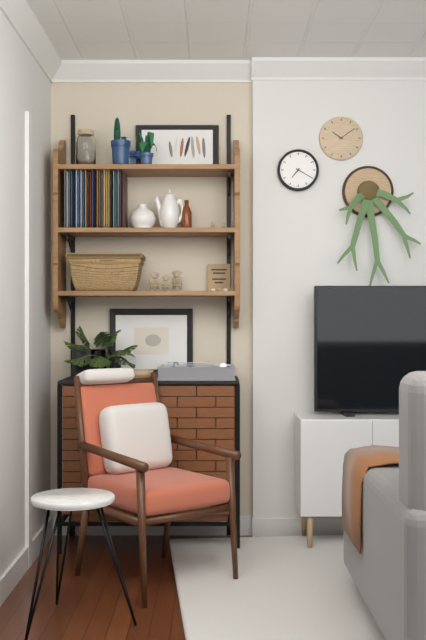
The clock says {"hour": 7, "minute": 20}
